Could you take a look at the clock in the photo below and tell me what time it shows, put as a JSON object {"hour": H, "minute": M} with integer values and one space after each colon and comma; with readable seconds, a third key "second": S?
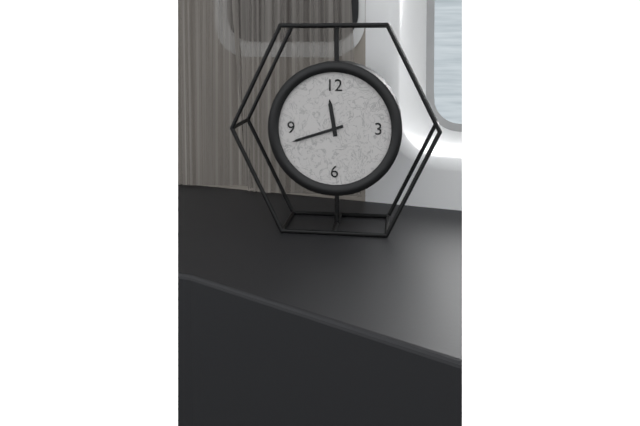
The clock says {"hour": 11, "minute": 42}
